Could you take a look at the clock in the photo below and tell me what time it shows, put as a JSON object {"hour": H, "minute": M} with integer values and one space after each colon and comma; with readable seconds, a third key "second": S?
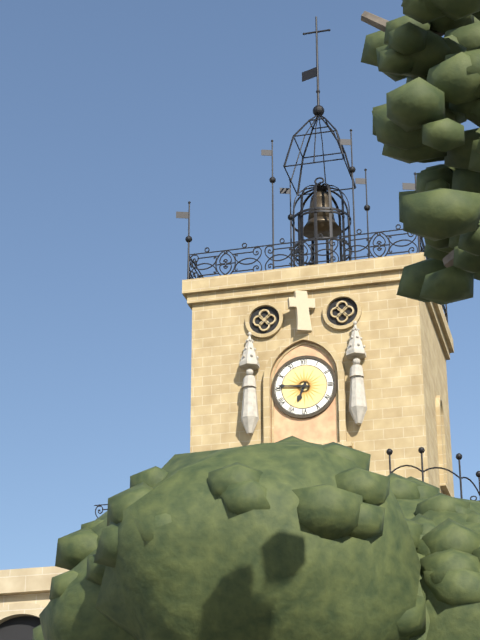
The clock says {"hour": 6, "minute": 46}
